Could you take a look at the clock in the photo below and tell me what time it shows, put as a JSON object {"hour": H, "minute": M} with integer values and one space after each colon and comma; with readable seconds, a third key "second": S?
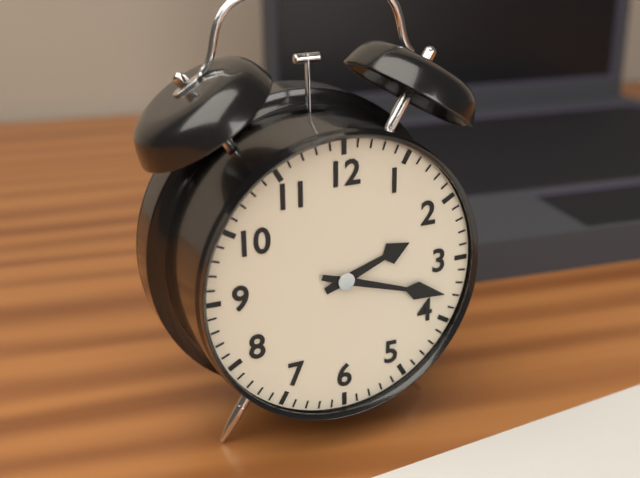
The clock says {"hour": 2, "minute": 18}
